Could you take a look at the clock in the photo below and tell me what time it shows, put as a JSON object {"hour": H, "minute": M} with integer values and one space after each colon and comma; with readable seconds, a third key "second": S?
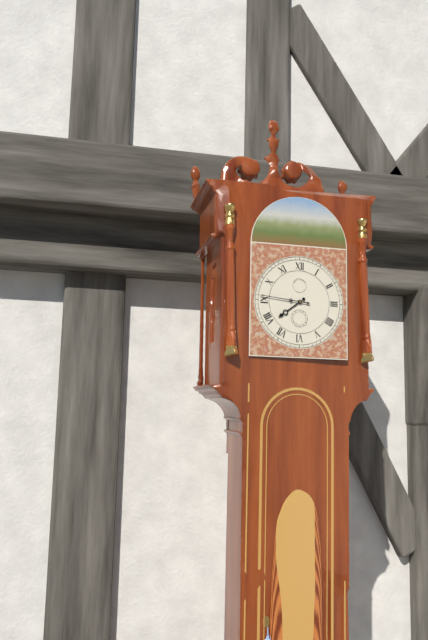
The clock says {"hour": 7, "minute": 46}
